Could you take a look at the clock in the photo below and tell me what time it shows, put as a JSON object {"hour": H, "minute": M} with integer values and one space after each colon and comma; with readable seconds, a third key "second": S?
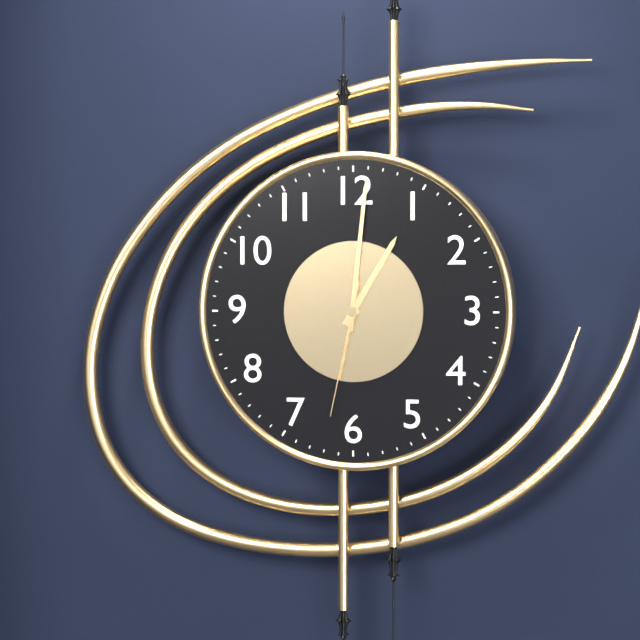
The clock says {"hour": 1, "minute": 1, "second": 32}
